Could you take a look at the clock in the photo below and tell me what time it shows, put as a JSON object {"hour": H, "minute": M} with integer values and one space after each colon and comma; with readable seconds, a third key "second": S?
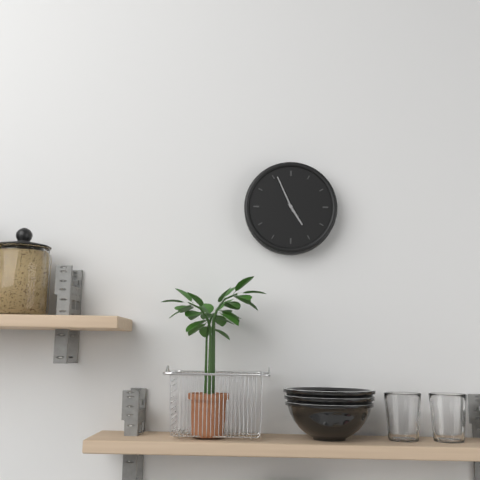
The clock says {"hour": 4, "minute": 56}
